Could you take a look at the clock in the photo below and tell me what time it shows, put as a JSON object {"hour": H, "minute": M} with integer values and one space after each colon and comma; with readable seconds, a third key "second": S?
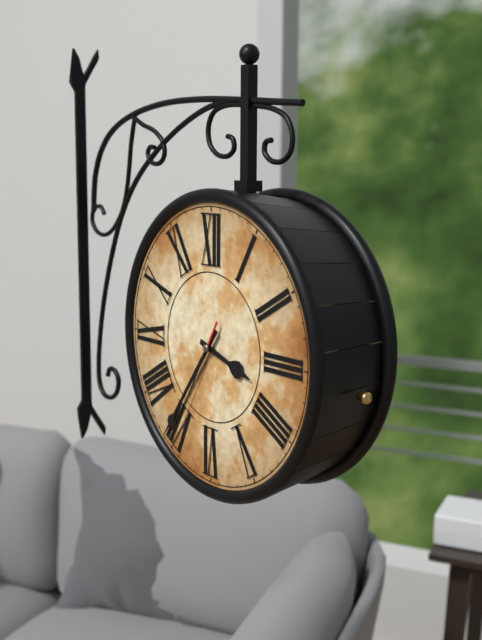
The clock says {"hour": 3, "minute": 36, "second": 35}
